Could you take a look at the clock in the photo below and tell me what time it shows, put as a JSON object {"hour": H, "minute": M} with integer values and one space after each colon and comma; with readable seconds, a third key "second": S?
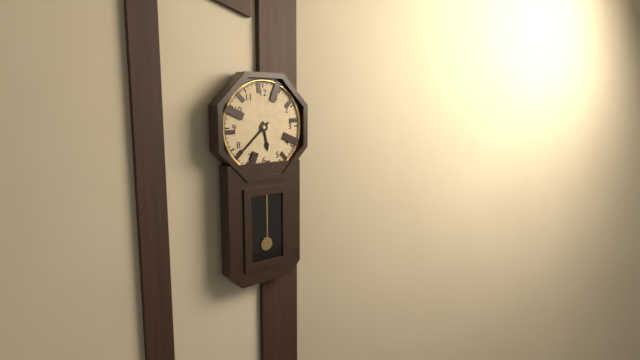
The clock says {"hour": 5, "minute": 38}
